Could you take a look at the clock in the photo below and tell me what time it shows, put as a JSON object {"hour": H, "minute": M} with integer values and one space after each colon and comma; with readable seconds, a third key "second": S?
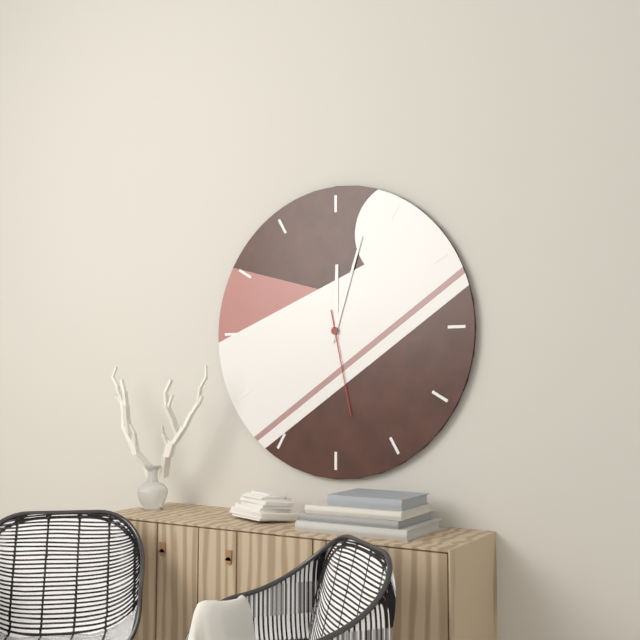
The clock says {"hour": 12, "minute": 3, "second": 28}
